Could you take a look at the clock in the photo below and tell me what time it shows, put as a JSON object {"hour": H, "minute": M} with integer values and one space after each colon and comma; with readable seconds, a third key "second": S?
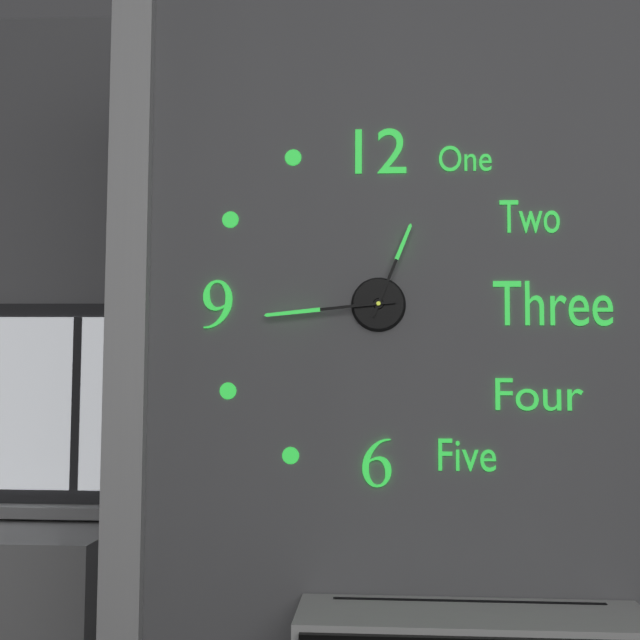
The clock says {"hour": 12, "minute": 44}
